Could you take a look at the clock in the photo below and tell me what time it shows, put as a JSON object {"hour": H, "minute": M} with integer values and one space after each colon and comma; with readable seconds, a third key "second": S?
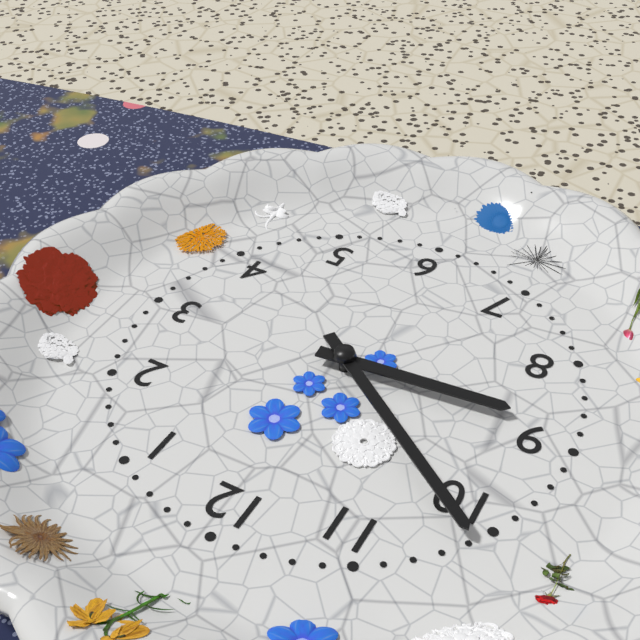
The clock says {"hour": 8, "minute": 51}
